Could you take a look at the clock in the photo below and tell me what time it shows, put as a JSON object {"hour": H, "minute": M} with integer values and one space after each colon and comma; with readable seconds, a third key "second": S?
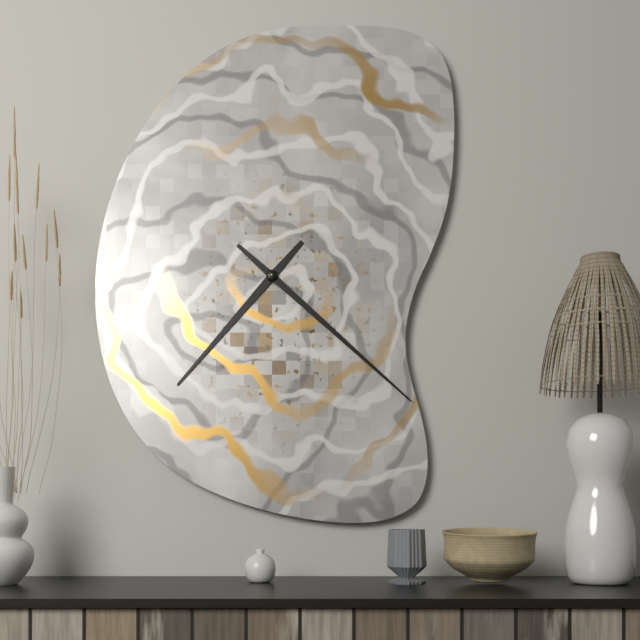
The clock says {"hour": 7, "minute": 22}
